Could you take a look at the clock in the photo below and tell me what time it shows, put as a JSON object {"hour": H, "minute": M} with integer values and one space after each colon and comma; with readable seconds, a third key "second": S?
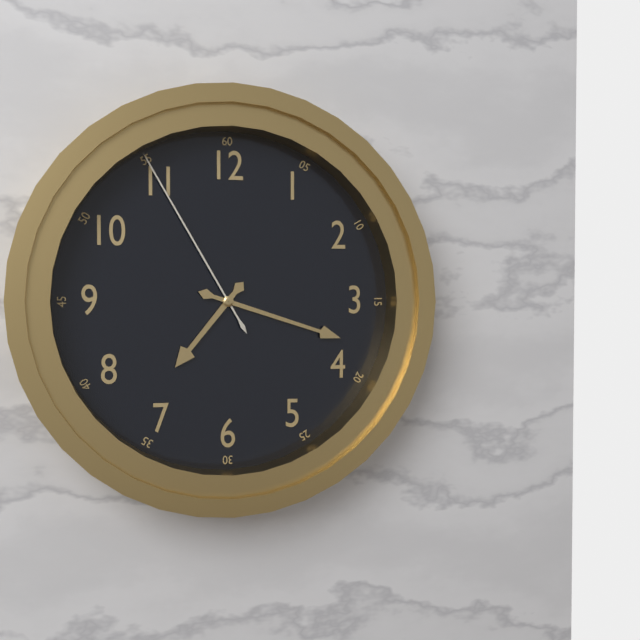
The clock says {"hour": 7, "minute": 18, "second": 55}
